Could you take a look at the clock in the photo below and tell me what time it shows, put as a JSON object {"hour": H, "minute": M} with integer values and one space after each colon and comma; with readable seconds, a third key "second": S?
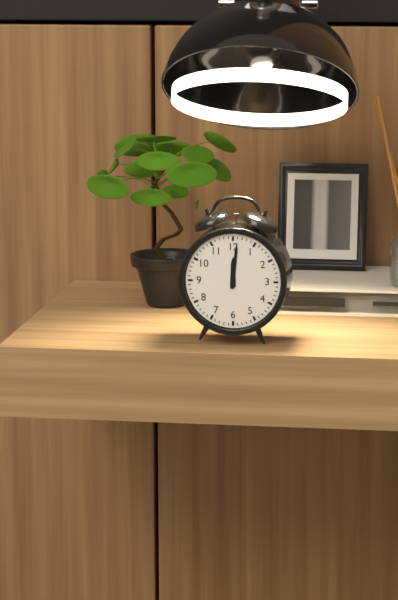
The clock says {"hour": 12, "minute": 1}
